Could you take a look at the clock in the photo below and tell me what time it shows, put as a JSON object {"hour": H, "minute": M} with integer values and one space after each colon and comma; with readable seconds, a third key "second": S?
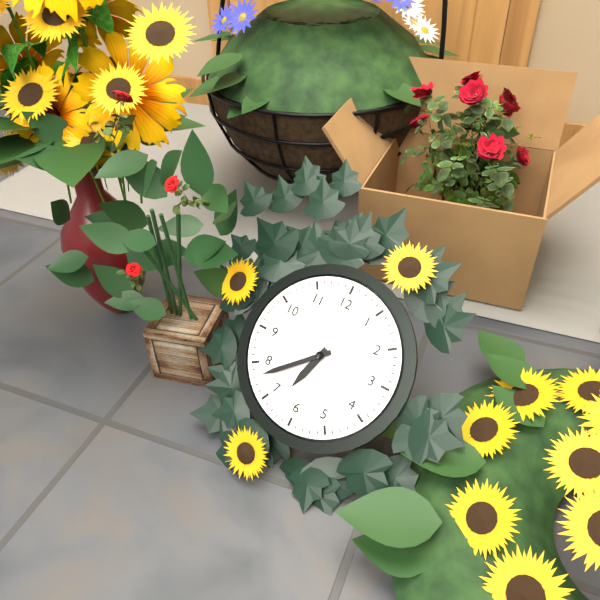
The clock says {"hour": 6, "minute": 38}
